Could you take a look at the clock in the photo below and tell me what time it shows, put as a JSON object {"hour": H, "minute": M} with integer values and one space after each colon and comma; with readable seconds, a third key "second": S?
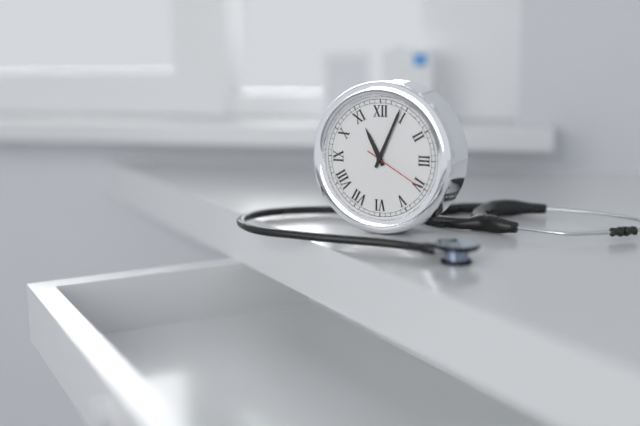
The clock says {"hour": 11, "minute": 4, "second": 20}
